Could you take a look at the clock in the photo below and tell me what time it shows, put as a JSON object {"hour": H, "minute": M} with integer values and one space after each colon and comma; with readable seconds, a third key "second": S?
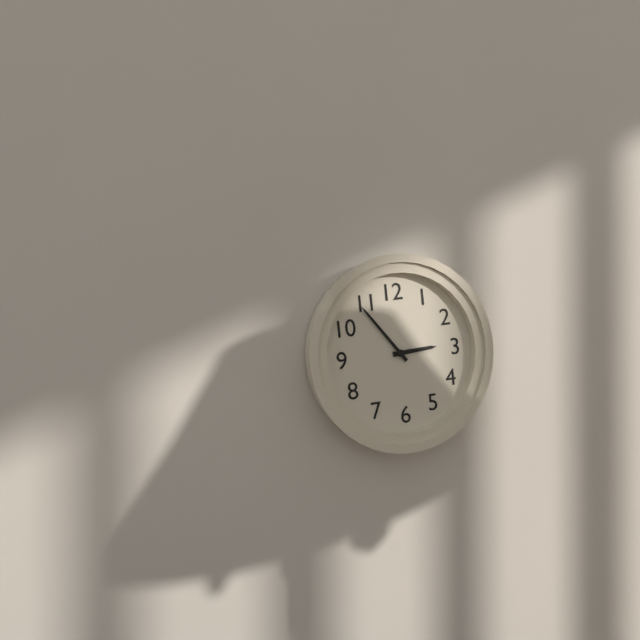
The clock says {"hour": 2, "minute": 54}
